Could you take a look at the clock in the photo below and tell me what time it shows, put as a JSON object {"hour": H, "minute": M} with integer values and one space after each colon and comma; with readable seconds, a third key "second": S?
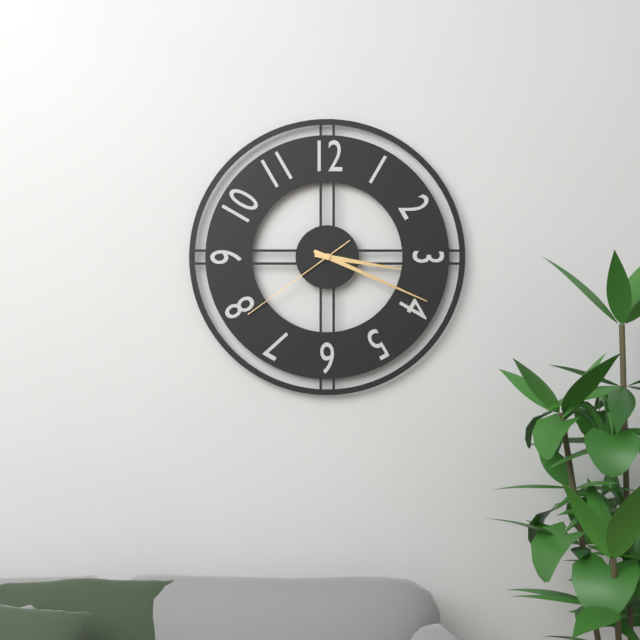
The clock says {"hour": 3, "minute": 19, "second": 39}
